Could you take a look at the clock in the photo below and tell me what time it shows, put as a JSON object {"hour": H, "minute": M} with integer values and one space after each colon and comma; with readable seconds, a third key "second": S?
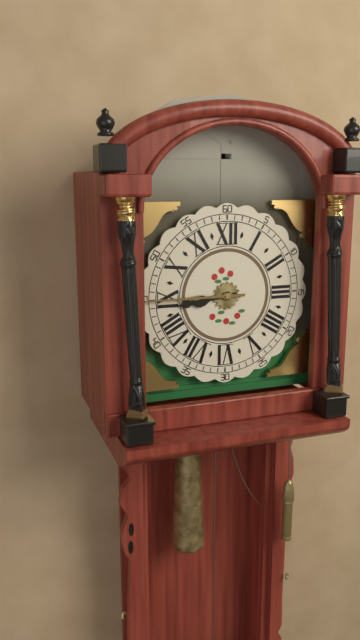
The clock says {"hour": 8, "minute": 45}
